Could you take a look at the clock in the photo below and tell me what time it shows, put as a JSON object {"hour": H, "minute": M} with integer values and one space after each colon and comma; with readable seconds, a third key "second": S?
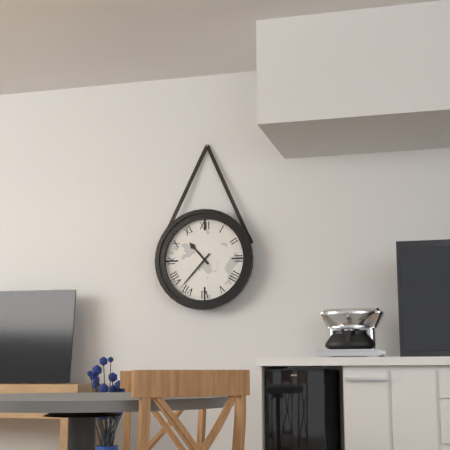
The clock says {"hour": 10, "minute": 37}
